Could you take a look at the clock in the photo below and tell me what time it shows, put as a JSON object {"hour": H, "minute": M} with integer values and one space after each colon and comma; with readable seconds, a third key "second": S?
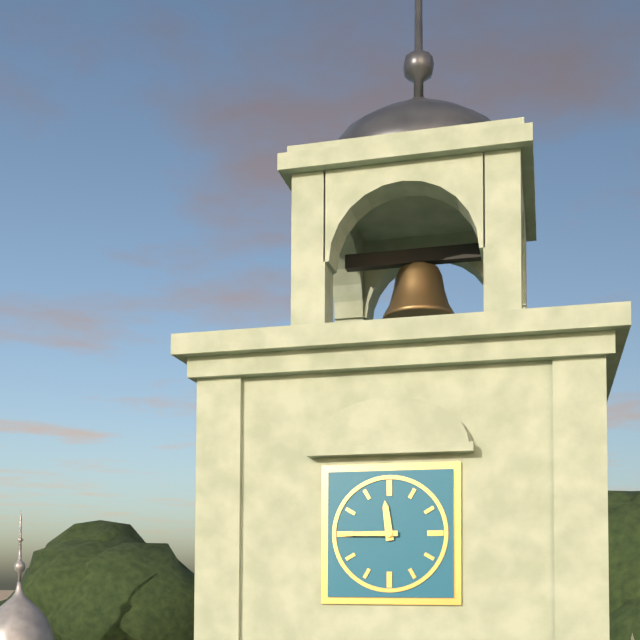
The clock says {"hour": 11, "minute": 45}
